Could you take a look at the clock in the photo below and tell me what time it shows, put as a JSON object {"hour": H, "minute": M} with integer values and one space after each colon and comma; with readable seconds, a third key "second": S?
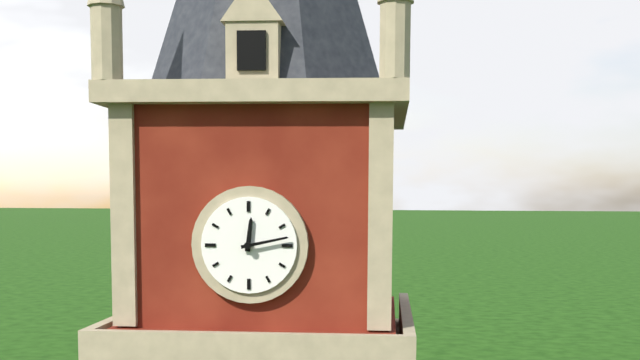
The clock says {"hour": 12, "minute": 13}
